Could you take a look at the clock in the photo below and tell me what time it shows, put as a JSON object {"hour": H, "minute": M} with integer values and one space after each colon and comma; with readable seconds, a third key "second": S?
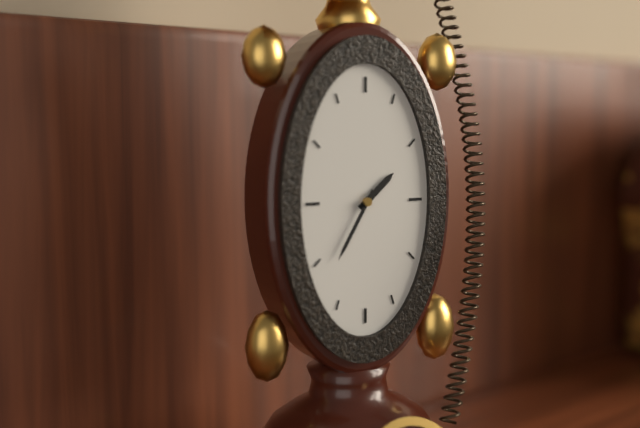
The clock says {"hour": 1, "minute": 35}
